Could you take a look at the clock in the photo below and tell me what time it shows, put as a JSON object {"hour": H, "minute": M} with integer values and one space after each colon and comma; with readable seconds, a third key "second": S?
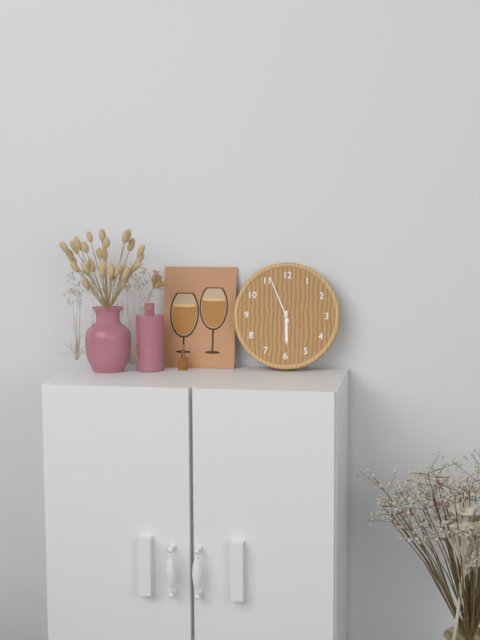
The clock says {"hour": 5, "minute": 56}
